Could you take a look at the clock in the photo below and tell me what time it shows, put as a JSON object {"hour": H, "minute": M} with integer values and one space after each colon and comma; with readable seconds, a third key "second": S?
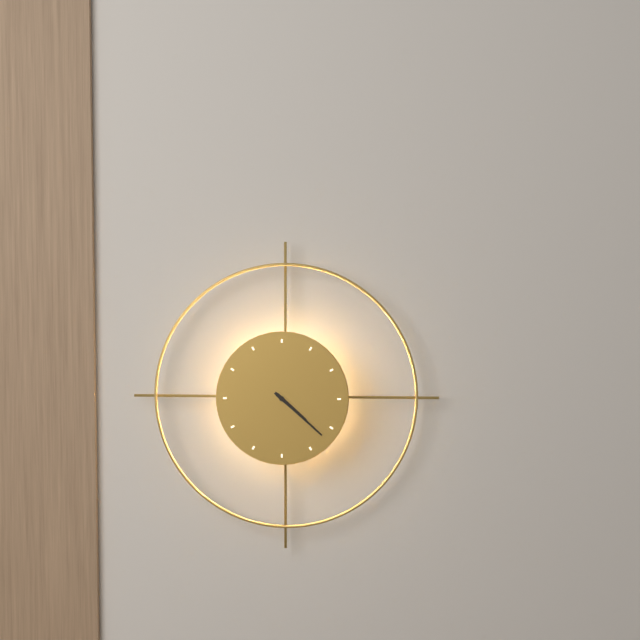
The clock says {"hour": 4, "minute": 22}
